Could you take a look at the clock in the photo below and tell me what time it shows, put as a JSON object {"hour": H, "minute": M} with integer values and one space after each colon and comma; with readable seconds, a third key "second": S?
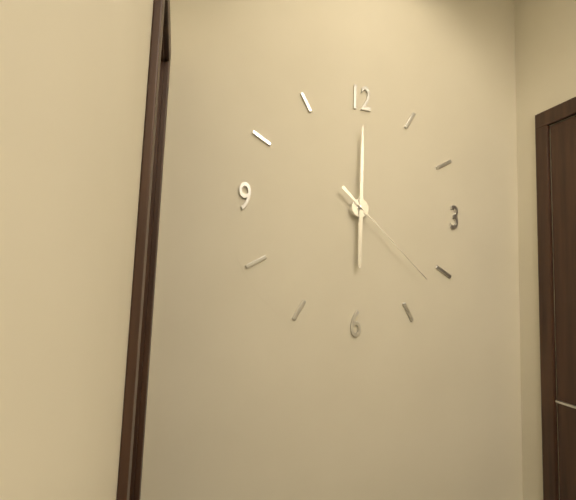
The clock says {"hour": 6, "minute": 0, "second": 22}
